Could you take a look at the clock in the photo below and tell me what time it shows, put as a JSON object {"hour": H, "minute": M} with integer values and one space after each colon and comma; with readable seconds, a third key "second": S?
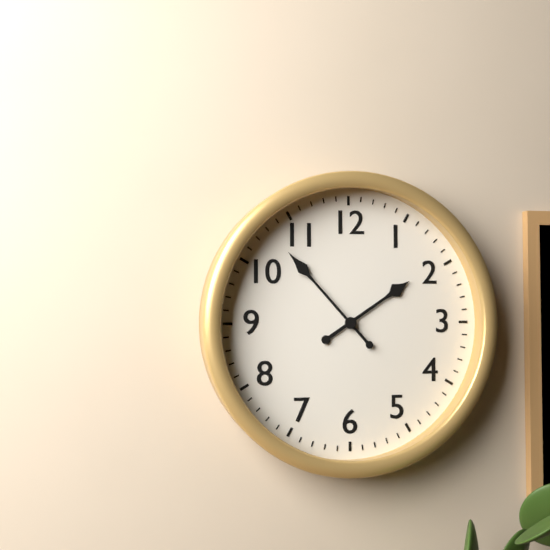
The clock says {"hour": 1, "minute": 53}
